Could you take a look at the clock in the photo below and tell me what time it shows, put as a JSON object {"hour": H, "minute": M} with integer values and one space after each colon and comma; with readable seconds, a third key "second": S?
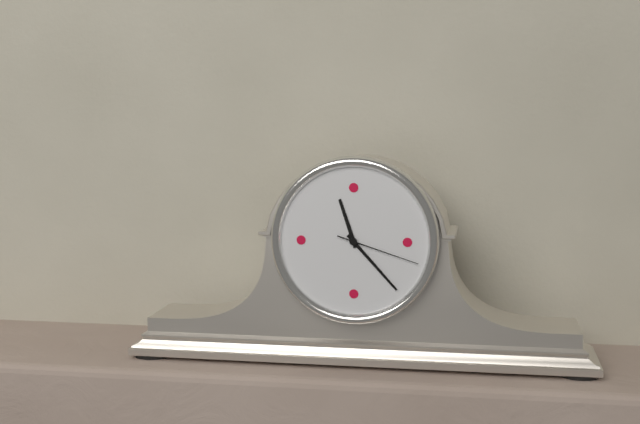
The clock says {"hour": 11, "minute": 23, "second": 18}
